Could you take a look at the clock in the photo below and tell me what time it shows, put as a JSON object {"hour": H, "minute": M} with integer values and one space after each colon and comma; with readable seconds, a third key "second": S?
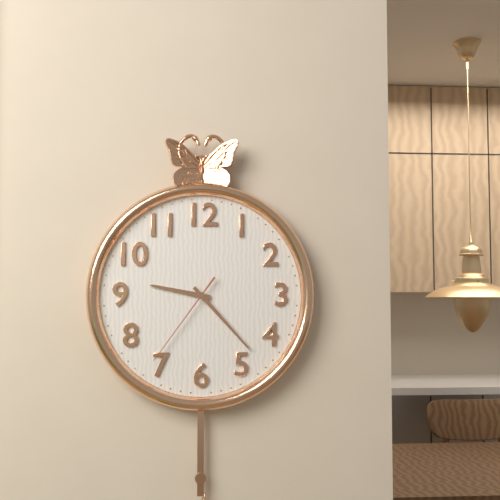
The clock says {"hour": 9, "minute": 23, "second": 36}
